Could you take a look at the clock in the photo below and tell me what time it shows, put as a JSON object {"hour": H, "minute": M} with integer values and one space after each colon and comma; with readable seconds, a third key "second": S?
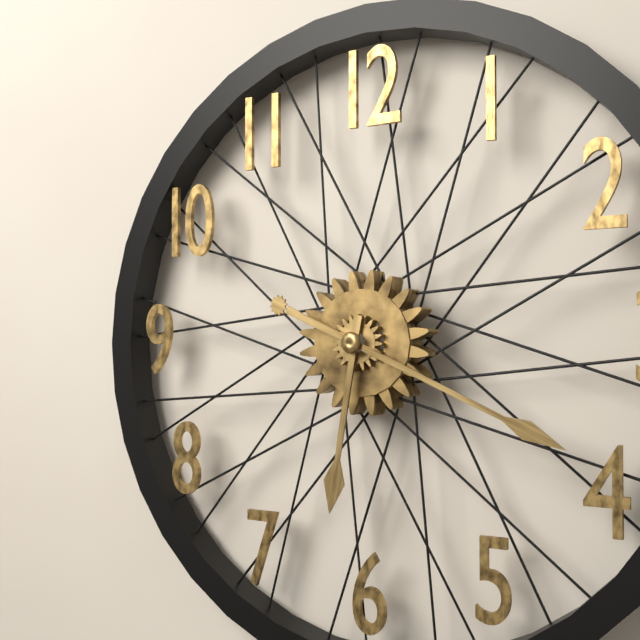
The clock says {"hour": 6, "minute": 19}
